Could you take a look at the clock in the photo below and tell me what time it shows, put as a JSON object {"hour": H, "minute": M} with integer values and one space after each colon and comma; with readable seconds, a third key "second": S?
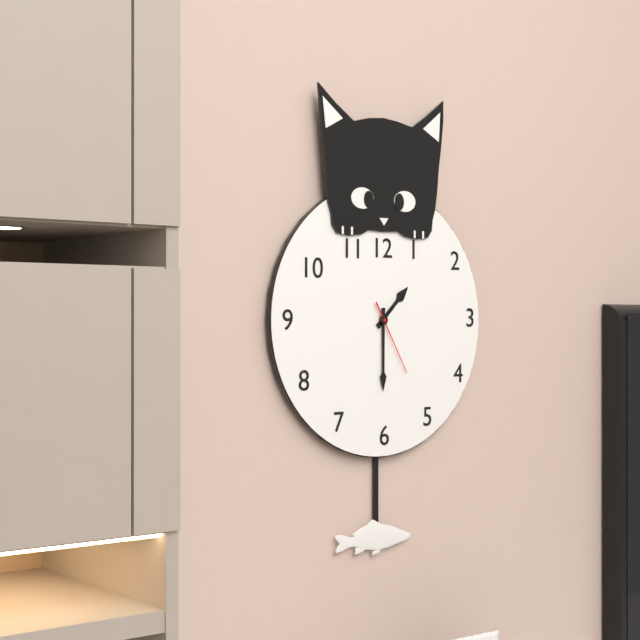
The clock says {"hour": 1, "minute": 30, "second": 25}
